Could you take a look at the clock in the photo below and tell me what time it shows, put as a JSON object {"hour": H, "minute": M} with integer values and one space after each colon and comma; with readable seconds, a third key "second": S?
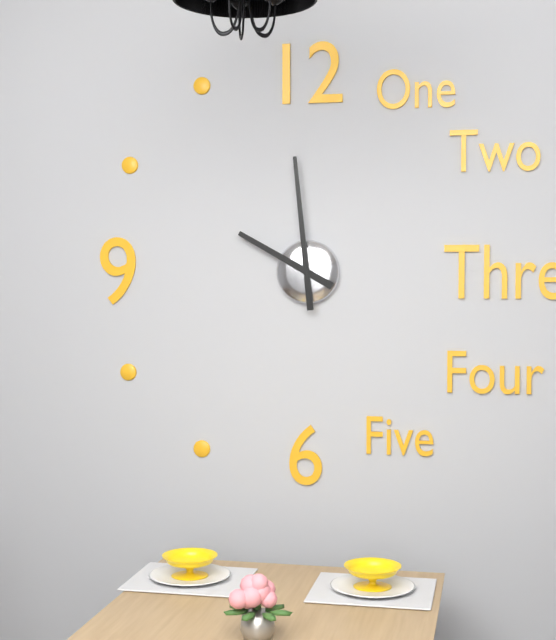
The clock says {"hour": 9, "minute": 59}
